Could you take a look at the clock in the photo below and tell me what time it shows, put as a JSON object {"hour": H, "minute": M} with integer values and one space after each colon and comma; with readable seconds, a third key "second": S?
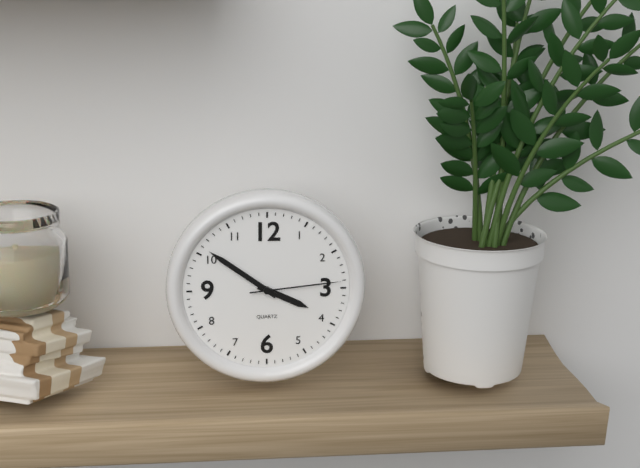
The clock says {"hour": 3, "minute": 51, "second": 14}
